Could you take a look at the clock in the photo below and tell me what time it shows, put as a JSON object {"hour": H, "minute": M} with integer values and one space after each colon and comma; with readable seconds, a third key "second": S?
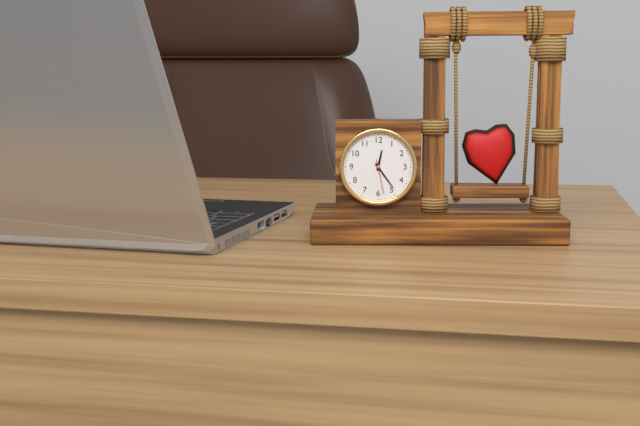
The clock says {"hour": 12, "minute": 24}
